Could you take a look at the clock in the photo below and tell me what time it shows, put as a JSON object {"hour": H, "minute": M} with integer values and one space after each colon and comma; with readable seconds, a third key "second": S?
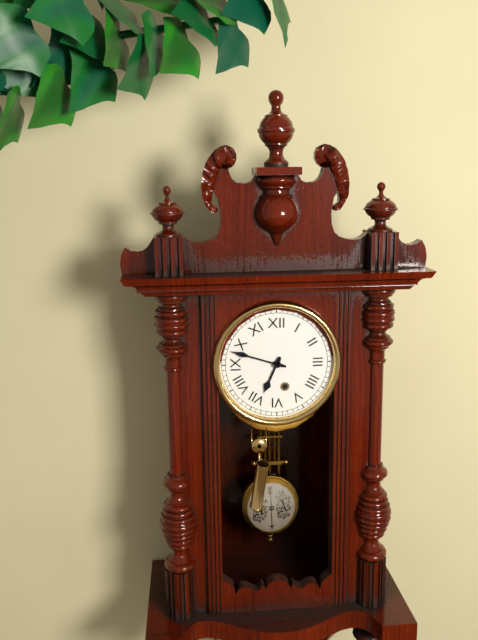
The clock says {"hour": 6, "minute": 48}
